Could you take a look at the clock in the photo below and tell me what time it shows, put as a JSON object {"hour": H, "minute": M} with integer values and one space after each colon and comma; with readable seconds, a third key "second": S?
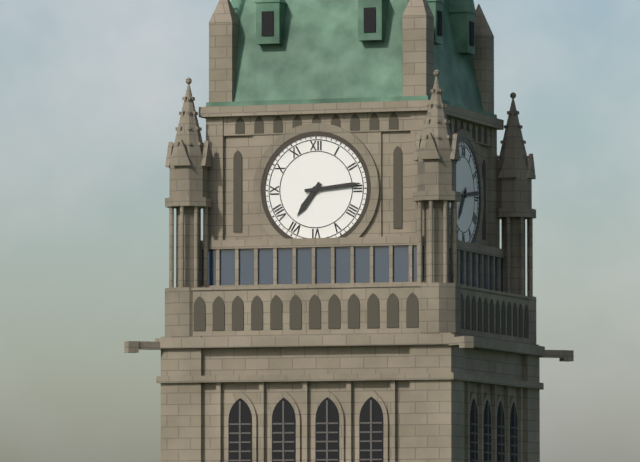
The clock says {"hour": 7, "minute": 14}
